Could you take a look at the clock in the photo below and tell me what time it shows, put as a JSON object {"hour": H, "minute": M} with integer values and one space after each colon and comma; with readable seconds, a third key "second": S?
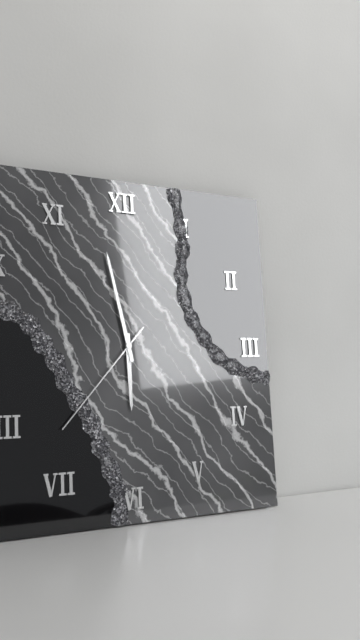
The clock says {"hour": 5, "minute": 58, "second": 37}
